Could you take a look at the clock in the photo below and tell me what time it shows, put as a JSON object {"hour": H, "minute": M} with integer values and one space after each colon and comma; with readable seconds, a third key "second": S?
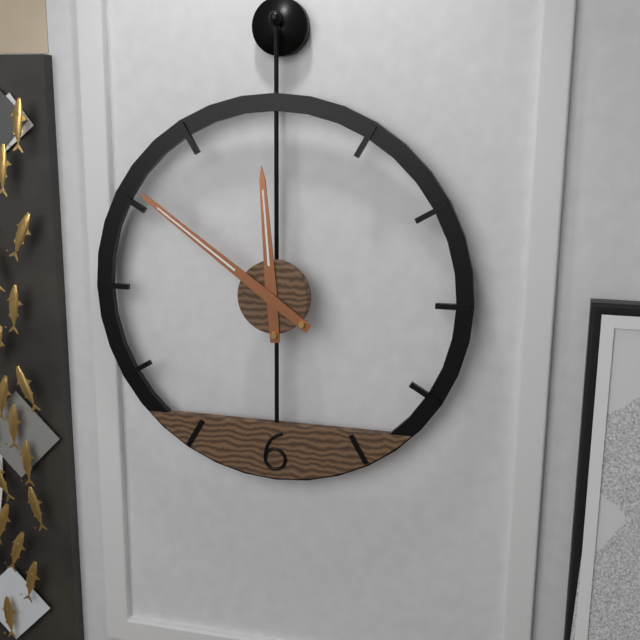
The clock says {"hour": 11, "minute": 51}
